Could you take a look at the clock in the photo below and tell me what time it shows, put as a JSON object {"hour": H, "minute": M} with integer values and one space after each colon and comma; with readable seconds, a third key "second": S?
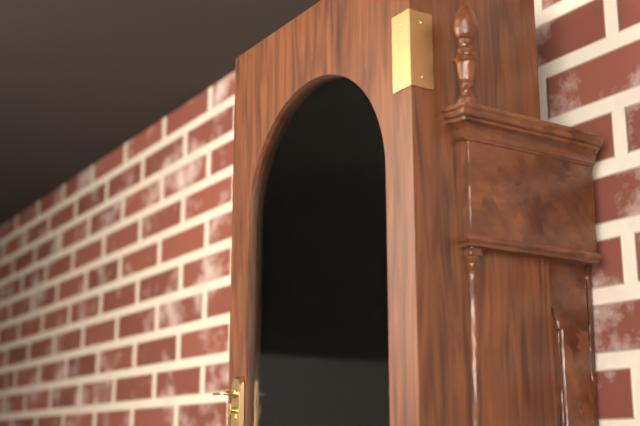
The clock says {"hour": 11, "minute": 19}
